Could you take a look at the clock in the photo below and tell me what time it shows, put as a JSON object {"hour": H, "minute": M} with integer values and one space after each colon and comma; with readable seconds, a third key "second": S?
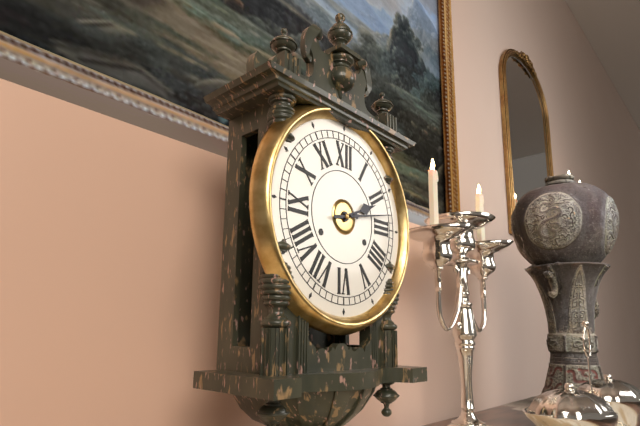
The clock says {"hour": 2, "minute": 13}
